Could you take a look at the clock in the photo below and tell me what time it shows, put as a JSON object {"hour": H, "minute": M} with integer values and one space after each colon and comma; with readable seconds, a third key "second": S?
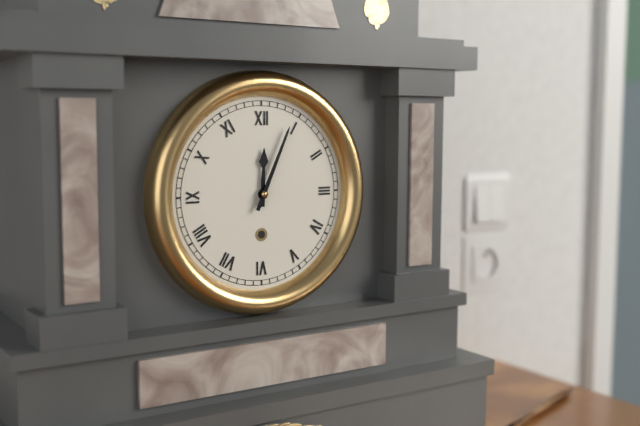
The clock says {"hour": 12, "minute": 4}
